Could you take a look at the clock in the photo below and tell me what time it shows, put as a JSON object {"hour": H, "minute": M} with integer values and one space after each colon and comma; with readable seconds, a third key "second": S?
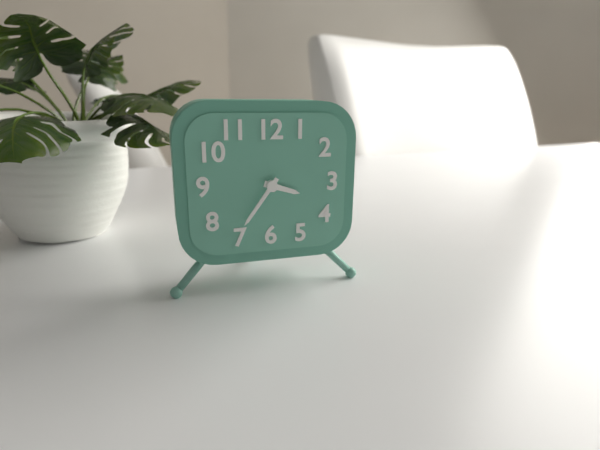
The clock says {"hour": 3, "minute": 36}
